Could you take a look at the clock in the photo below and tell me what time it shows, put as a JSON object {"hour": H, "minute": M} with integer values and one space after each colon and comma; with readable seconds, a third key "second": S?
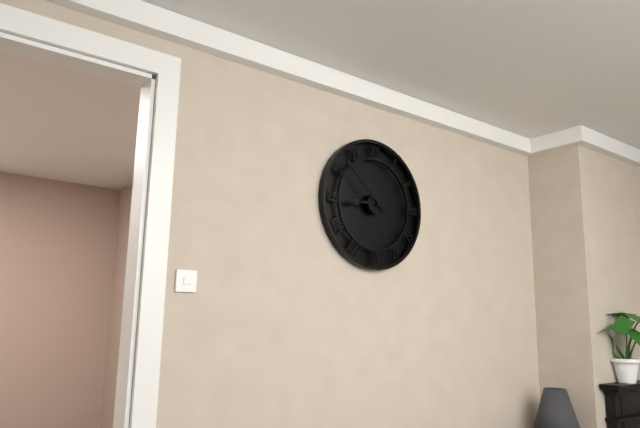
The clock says {"hour": 8, "minute": 52}
